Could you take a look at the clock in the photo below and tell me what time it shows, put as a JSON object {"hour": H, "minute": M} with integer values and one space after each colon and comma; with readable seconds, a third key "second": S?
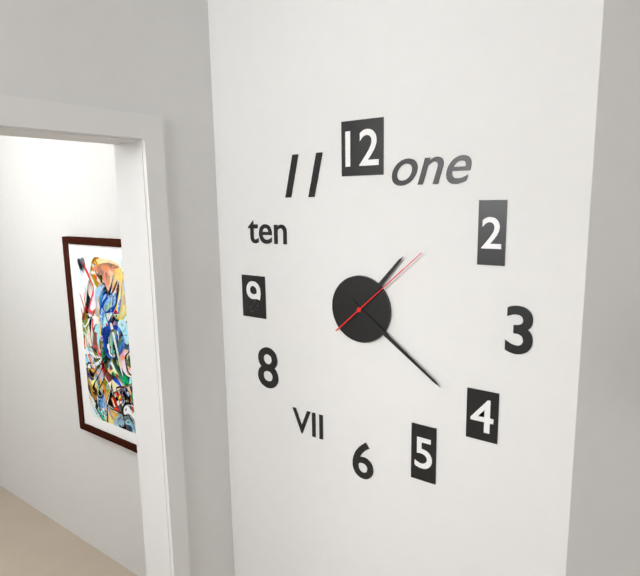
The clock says {"hour": 1, "minute": 21, "second": 8}
